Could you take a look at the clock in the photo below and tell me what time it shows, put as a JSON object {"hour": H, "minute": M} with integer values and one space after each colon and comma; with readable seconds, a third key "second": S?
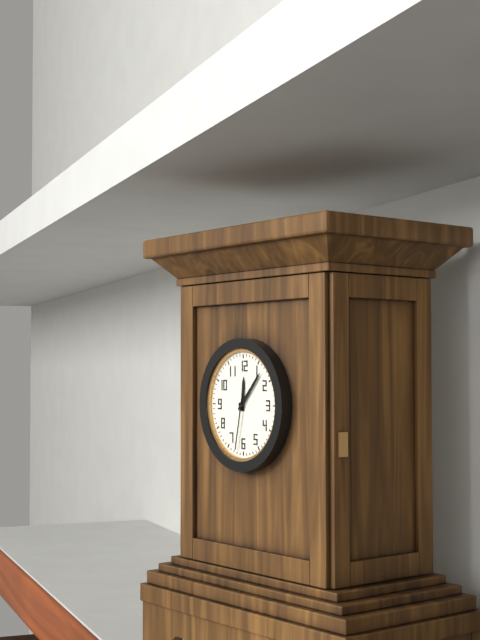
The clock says {"hour": 12, "minute": 7, "second": 32}
